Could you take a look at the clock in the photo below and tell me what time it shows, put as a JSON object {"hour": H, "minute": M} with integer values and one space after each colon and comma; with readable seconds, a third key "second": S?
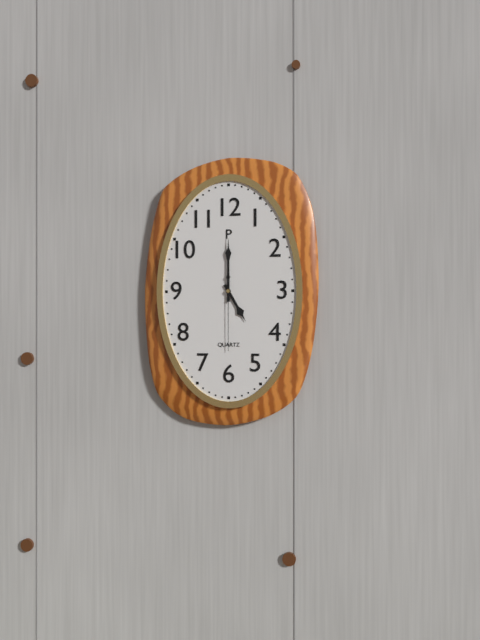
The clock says {"hour": 5, "minute": 0, "second": 30}
